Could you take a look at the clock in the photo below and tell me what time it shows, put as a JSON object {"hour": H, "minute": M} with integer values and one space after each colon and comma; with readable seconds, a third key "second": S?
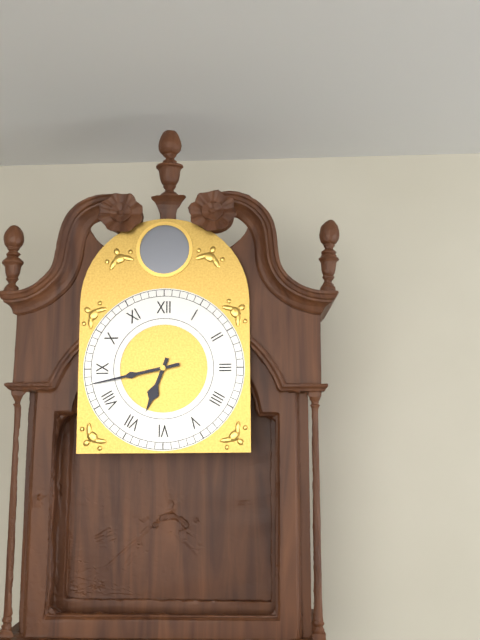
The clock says {"hour": 6, "minute": 43}
